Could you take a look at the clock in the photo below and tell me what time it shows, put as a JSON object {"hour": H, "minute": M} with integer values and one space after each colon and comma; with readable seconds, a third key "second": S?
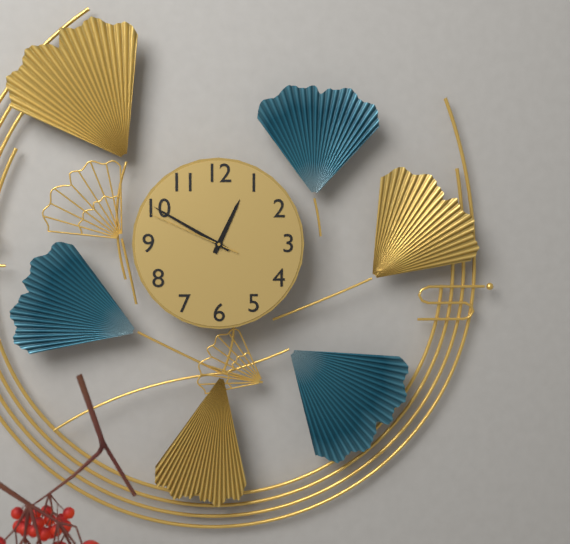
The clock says {"hour": 12, "minute": 50, "second": 49}
